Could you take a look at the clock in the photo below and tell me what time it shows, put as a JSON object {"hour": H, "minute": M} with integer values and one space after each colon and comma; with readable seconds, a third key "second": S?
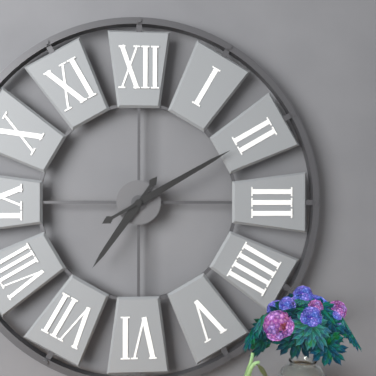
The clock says {"hour": 7, "minute": 10}
